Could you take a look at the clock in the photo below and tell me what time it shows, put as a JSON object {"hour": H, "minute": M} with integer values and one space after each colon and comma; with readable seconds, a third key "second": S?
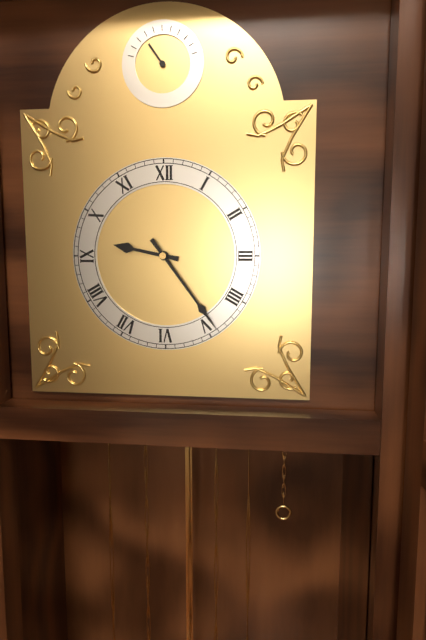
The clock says {"hour": 9, "minute": 24}
